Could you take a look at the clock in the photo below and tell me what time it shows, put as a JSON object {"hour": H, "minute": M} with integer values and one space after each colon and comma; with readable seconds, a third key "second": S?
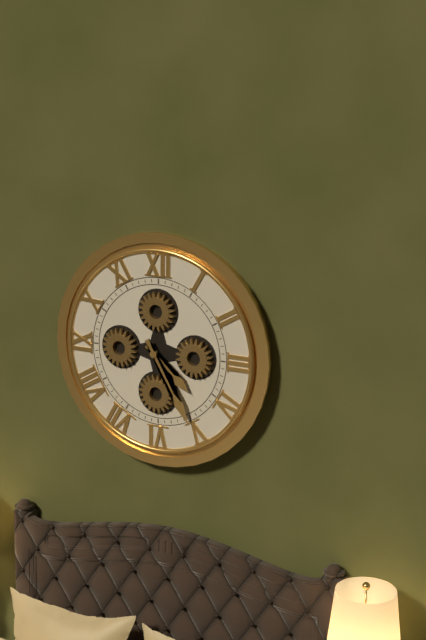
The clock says {"hour": 4, "minute": 25}
